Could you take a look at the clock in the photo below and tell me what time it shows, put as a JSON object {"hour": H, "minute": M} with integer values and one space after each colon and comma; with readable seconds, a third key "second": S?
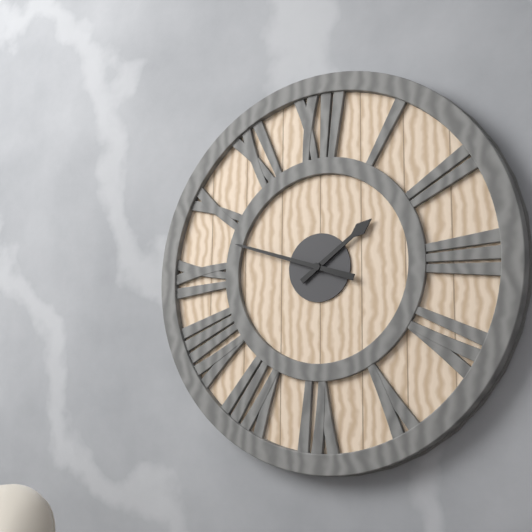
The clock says {"hour": 1, "minute": 48}
